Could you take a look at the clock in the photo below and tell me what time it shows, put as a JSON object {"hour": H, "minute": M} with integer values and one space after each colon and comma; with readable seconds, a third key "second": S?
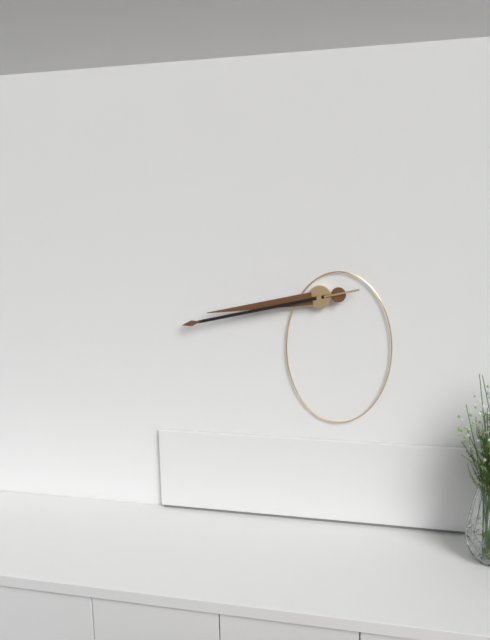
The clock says {"hour": 8, "minute": 43}
